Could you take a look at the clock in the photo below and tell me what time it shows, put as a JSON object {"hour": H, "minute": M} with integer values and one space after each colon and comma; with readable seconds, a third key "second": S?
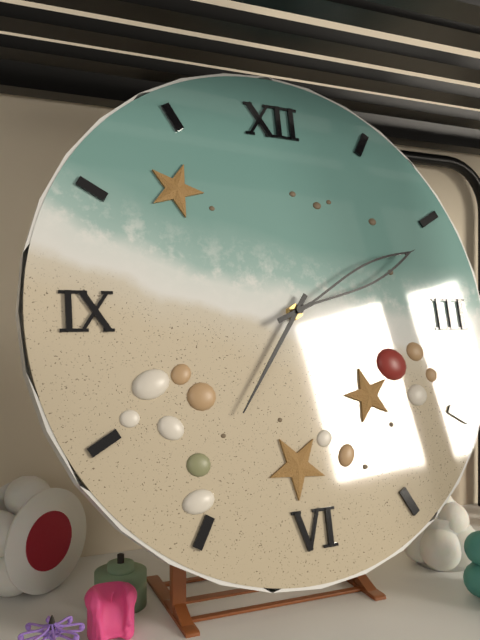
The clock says {"hour": 7, "minute": 11}
